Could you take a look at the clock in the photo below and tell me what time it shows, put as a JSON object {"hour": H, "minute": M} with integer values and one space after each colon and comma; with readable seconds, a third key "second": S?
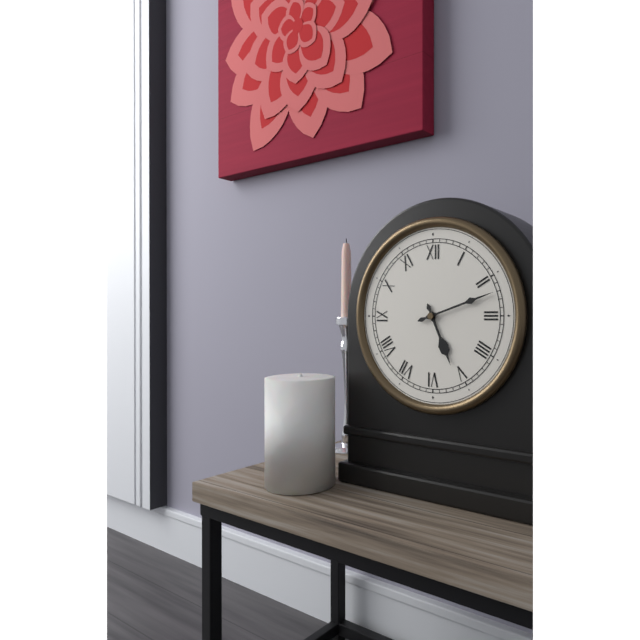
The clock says {"hour": 5, "minute": 12}
